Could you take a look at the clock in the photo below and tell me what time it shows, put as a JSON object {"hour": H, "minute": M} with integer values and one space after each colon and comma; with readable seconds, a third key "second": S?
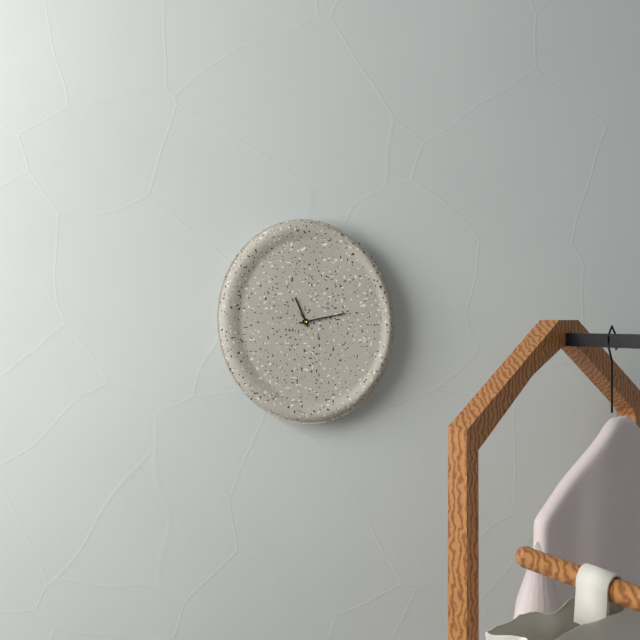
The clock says {"hour": 11, "minute": 13}
